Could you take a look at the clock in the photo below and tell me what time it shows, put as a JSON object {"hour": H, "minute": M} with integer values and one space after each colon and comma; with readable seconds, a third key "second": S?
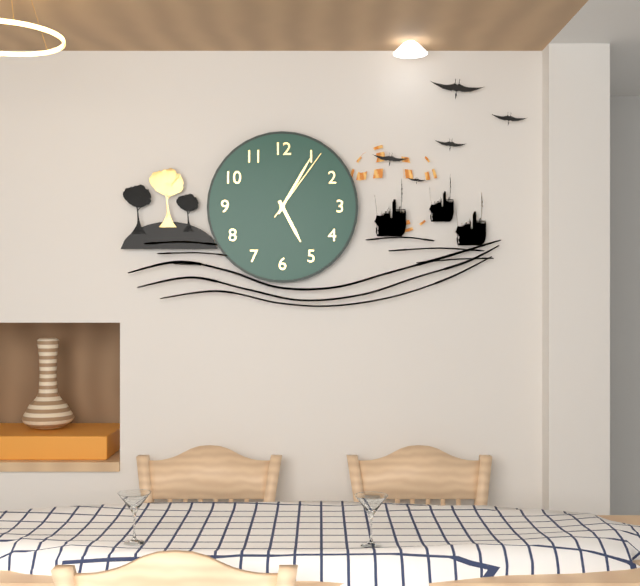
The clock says {"hour": 5, "minute": 5, "second": 6}
